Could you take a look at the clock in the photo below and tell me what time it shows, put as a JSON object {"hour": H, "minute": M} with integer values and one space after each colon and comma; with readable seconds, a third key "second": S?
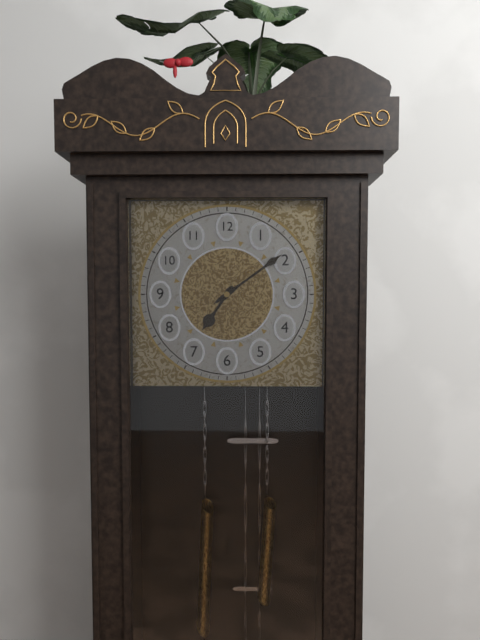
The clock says {"hour": 7, "minute": 9}
